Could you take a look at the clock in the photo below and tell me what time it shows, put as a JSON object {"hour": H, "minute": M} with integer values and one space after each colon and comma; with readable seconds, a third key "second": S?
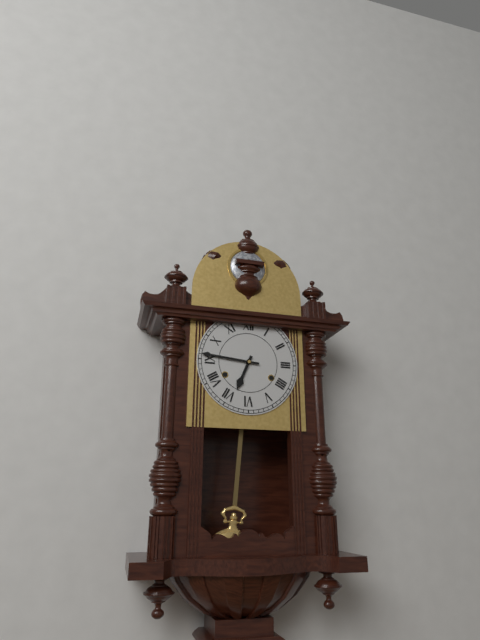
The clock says {"hour": 6, "minute": 46}
